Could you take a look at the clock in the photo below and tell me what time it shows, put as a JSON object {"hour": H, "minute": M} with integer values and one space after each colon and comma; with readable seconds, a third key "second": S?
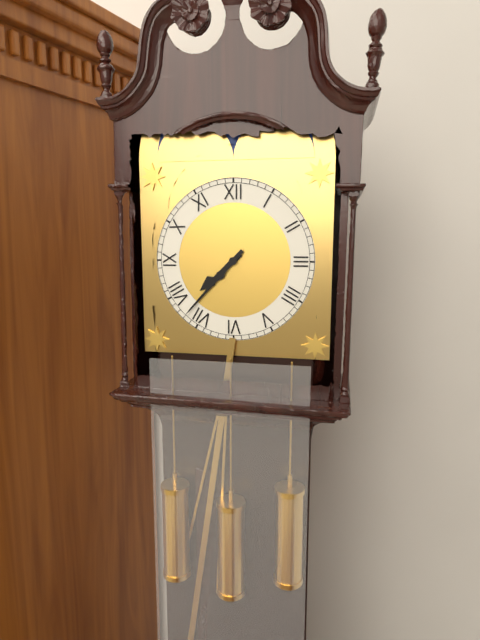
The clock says {"hour": 7, "minute": 37}
